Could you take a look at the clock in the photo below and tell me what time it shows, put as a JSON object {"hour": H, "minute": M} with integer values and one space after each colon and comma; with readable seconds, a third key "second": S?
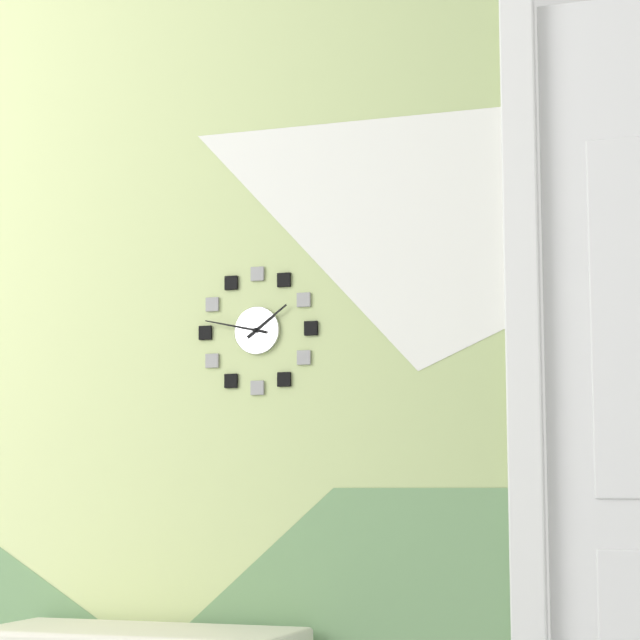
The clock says {"hour": 1, "minute": 47}
